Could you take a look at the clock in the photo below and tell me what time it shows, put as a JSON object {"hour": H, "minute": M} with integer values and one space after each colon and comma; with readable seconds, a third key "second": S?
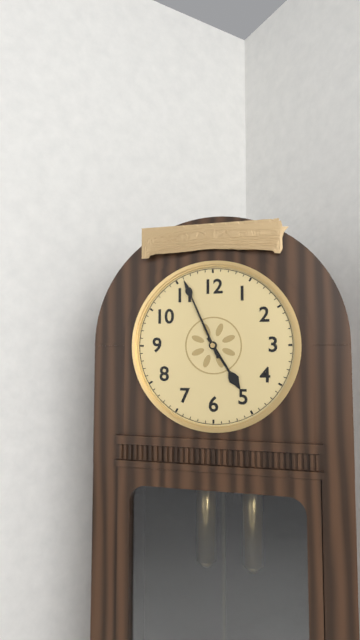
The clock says {"hour": 4, "minute": 56}
